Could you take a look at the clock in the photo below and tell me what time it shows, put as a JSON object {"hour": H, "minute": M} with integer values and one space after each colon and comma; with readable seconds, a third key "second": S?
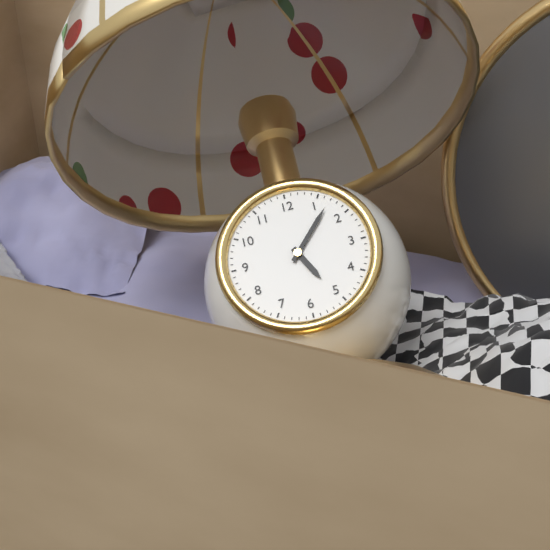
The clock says {"hour": 5, "minute": 7}
